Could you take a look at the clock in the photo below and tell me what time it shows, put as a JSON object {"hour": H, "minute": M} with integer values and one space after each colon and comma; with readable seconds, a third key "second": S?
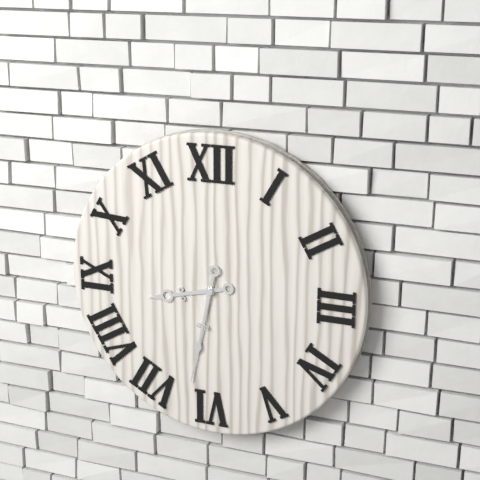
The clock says {"hour": 8, "minute": 32}
